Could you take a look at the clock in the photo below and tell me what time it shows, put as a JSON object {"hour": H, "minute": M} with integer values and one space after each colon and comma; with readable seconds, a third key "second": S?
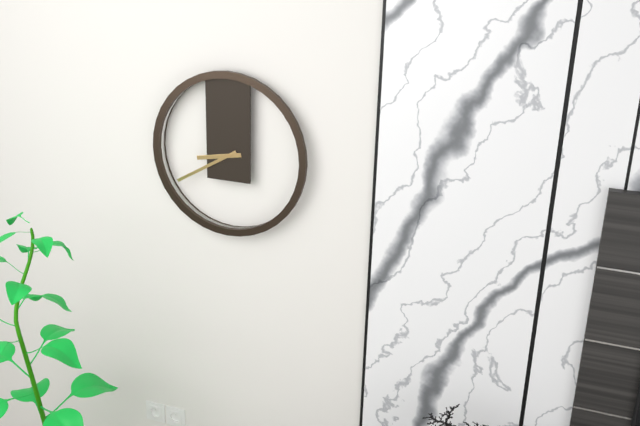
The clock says {"hour": 8, "minute": 40}
